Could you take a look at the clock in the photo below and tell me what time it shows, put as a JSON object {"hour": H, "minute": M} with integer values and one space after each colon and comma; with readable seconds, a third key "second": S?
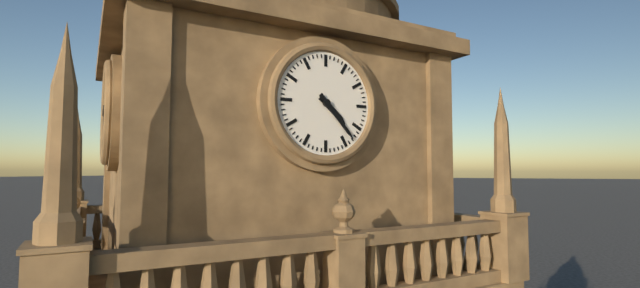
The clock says {"hour": 4, "minute": 23}
